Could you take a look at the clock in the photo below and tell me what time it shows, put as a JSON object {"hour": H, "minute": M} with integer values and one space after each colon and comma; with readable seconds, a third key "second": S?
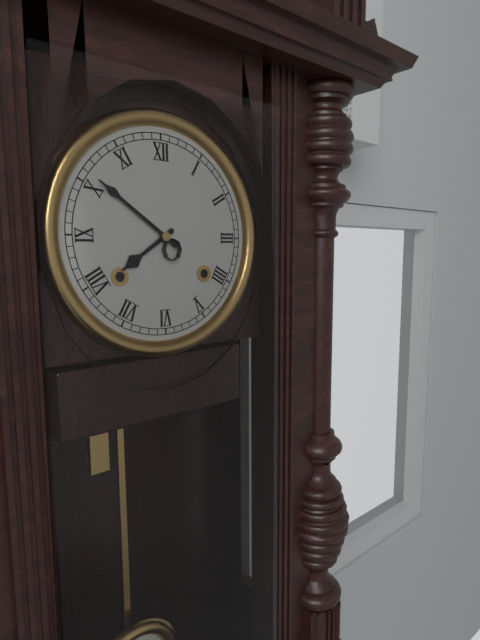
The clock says {"hour": 7, "minute": 51}
